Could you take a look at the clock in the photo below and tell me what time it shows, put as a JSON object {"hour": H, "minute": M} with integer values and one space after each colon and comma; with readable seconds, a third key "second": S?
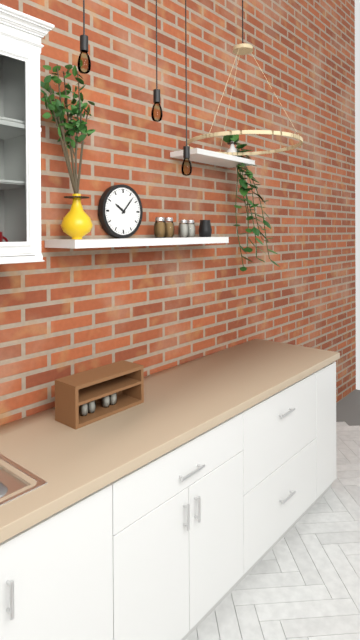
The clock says {"hour": 10, "minute": 7}
